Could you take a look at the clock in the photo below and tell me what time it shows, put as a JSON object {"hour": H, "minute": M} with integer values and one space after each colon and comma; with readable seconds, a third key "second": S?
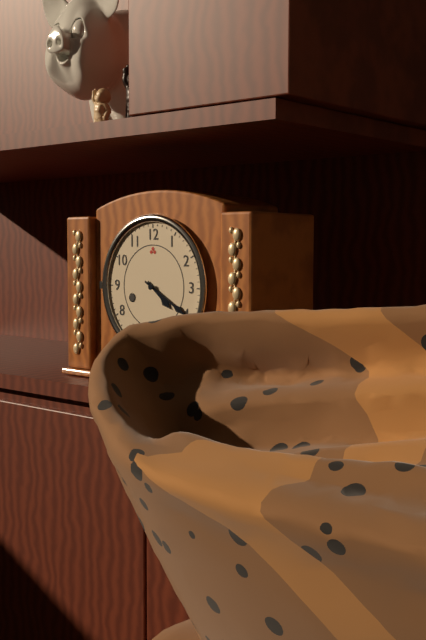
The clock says {"hour": 4, "minute": 20}
